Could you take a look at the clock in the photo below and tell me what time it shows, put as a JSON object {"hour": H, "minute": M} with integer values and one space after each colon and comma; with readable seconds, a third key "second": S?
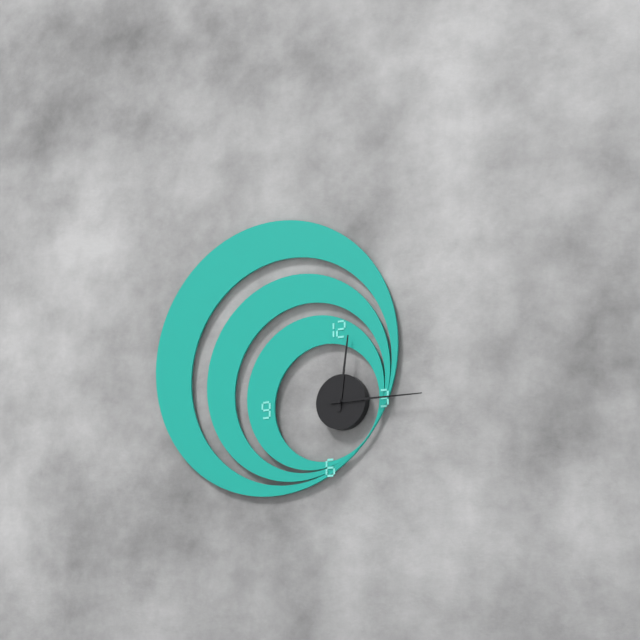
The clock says {"hour": 12, "minute": 15}
